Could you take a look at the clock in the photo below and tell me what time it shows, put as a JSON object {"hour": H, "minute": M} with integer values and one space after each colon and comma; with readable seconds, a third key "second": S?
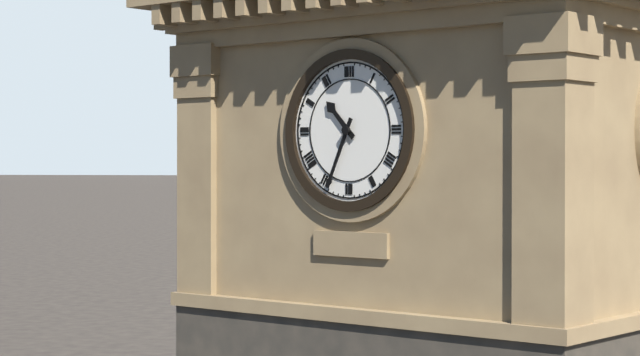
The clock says {"hour": 10, "minute": 34}
